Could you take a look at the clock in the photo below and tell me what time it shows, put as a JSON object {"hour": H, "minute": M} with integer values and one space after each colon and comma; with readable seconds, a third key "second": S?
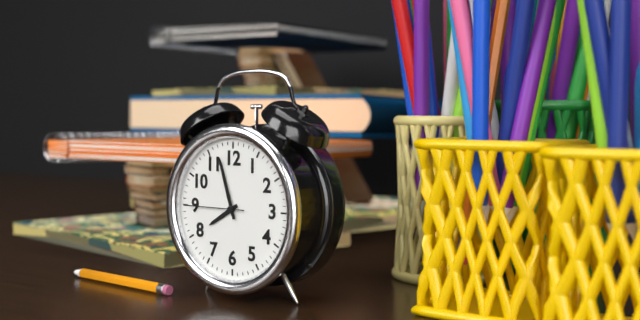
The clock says {"hour": 7, "minute": 57, "second": 45}
